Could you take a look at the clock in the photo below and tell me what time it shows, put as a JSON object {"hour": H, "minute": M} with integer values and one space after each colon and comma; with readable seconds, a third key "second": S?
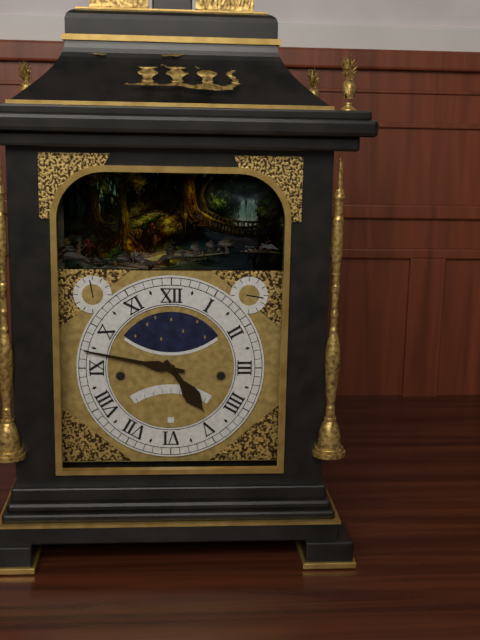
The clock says {"hour": 4, "minute": 47}
